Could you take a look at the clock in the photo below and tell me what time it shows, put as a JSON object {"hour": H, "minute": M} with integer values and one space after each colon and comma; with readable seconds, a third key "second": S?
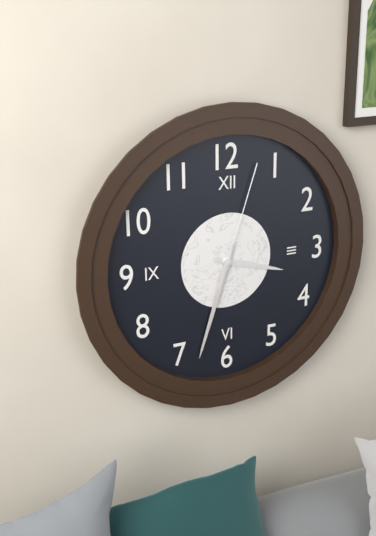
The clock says {"hour": 3, "minute": 33, "second": 3}
